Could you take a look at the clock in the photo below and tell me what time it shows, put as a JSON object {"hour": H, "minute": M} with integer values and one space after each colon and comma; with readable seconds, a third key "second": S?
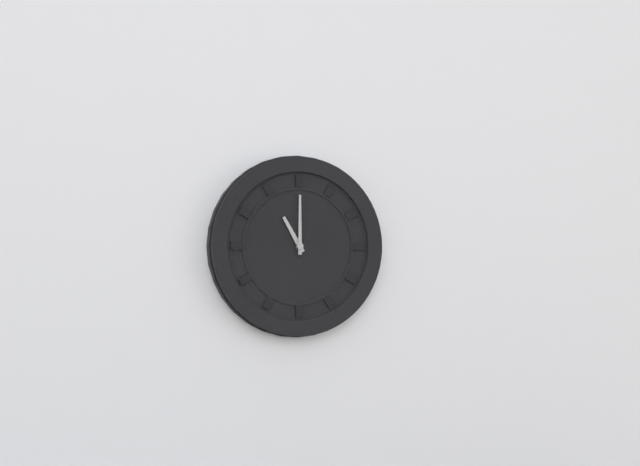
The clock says {"hour": 11, "minute": 0}
